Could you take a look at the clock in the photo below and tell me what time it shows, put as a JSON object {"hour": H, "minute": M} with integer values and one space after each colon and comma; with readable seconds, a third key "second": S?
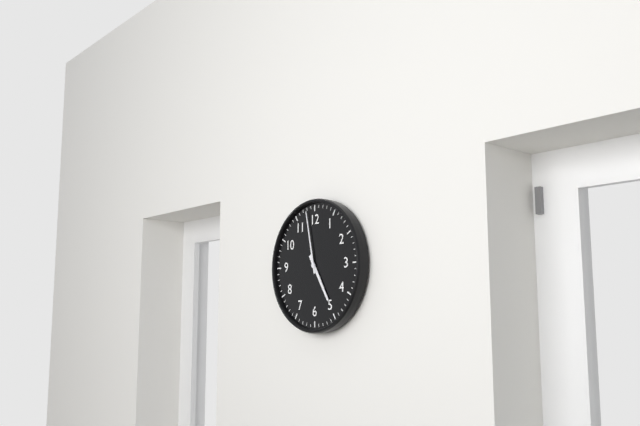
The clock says {"hour": 4, "minute": 58}
